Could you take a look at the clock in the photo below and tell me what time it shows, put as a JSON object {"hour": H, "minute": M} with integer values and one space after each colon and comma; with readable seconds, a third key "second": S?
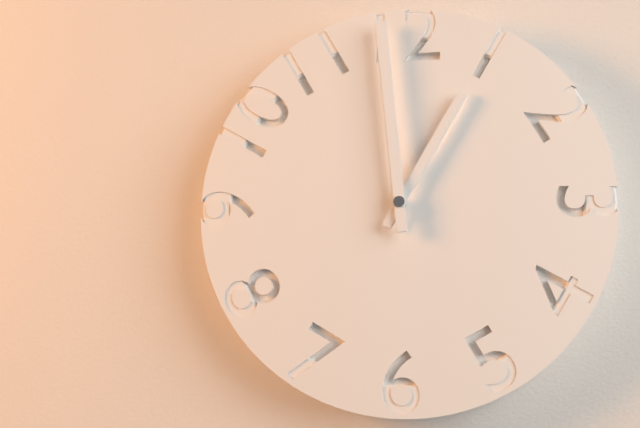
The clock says {"hour": 12, "minute": 59}
